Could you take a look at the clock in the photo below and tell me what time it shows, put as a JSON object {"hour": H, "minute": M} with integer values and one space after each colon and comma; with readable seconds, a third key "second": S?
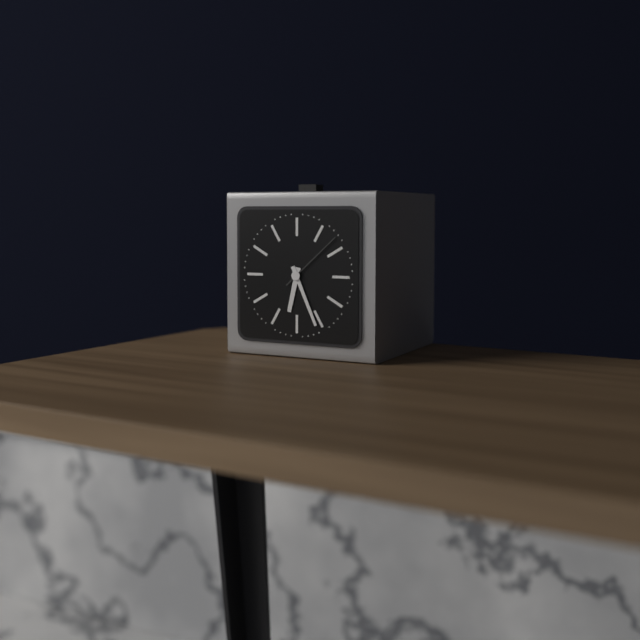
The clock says {"hour": 6, "minute": 26, "second": 8}
